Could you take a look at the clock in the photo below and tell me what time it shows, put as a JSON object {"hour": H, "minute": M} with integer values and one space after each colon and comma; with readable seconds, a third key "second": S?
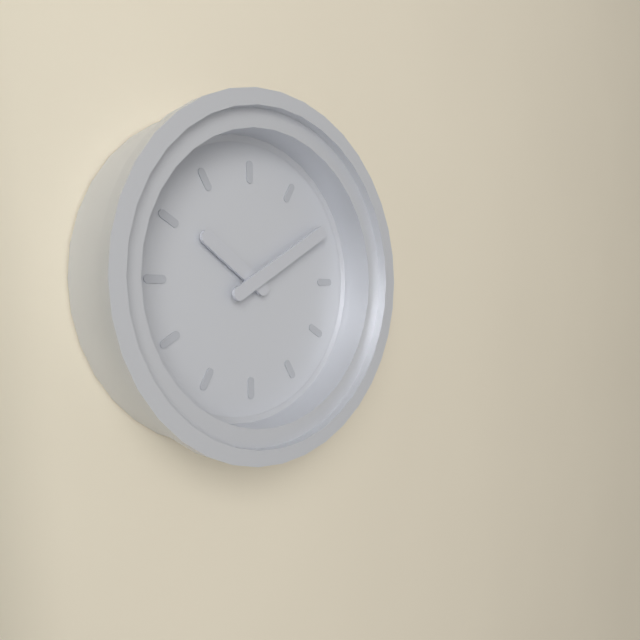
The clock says {"hour": 10, "minute": 10}
